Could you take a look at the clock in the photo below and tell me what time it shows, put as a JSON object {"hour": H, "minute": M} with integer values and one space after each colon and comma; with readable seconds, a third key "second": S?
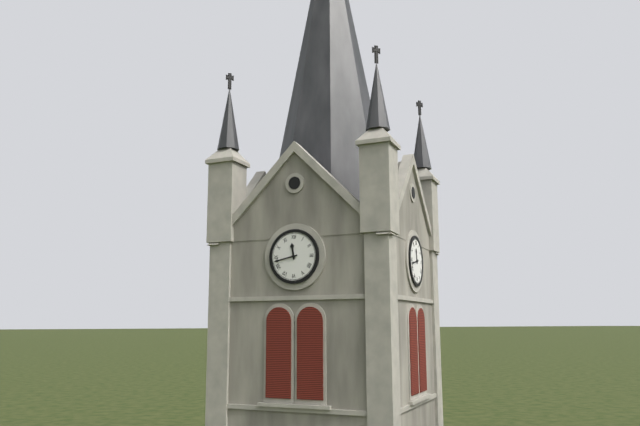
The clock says {"hour": 11, "minute": 43}
